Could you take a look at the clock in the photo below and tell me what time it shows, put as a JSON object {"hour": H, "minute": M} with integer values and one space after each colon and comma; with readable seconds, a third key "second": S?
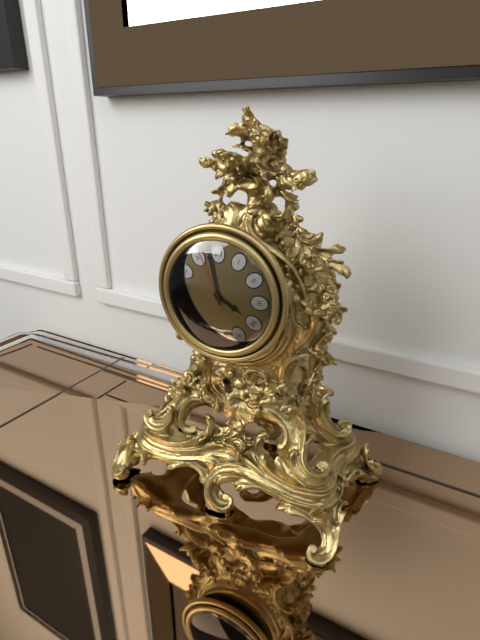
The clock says {"hour": 3, "minute": 58, "second": 56}
